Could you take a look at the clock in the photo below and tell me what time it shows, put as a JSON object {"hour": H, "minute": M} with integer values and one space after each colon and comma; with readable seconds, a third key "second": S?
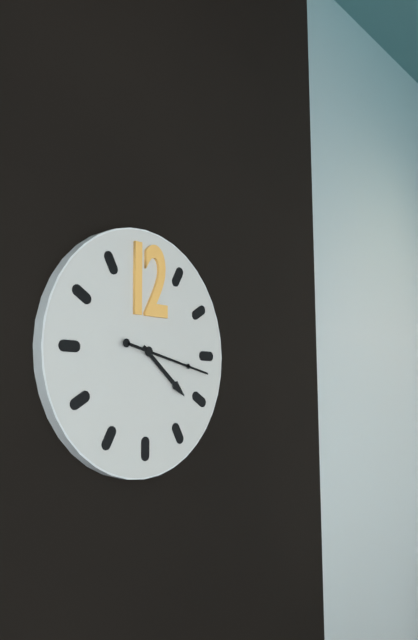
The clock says {"hour": 4, "minute": 17}
